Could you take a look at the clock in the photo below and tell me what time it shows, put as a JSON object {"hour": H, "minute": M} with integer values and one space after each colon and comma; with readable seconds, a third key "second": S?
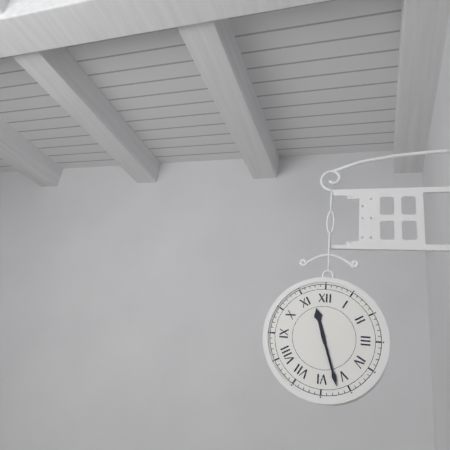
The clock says {"hour": 11, "minute": 27}
